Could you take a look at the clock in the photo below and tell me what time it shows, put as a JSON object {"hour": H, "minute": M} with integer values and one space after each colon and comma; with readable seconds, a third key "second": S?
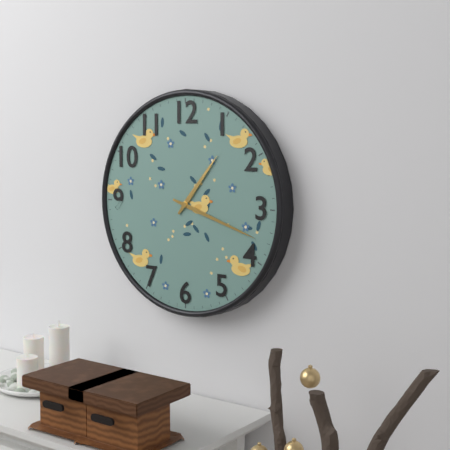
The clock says {"hour": 1, "minute": 18}
